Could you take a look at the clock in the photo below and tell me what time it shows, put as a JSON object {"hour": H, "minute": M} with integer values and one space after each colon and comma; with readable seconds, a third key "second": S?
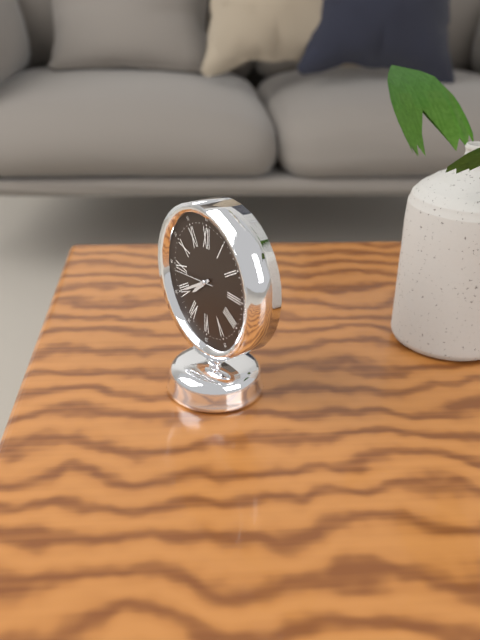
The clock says {"hour": 7, "minute": 40}
